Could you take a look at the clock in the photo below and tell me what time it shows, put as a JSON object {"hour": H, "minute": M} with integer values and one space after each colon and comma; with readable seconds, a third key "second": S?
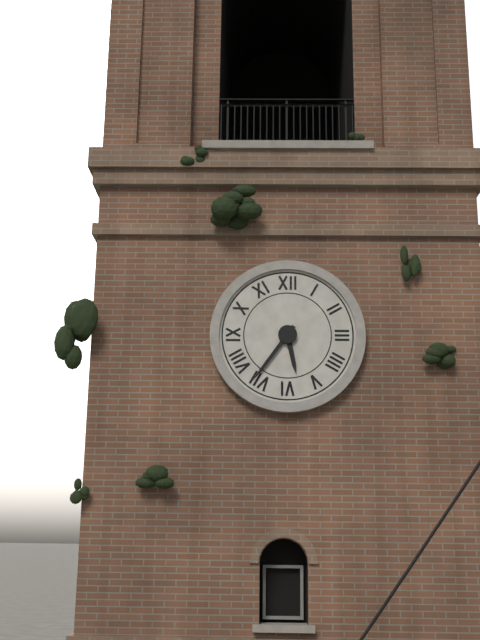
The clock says {"hour": 5, "minute": 36}
